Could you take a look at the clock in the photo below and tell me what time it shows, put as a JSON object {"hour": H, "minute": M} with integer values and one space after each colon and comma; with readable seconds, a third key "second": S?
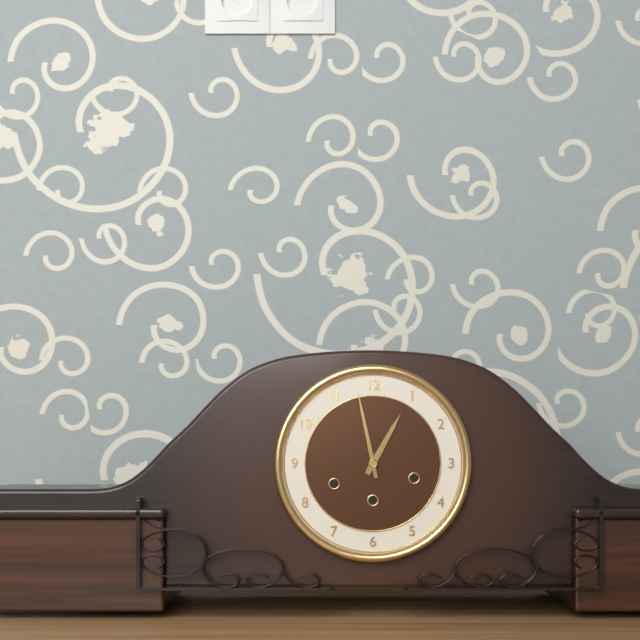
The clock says {"hour": 12, "minute": 58}
